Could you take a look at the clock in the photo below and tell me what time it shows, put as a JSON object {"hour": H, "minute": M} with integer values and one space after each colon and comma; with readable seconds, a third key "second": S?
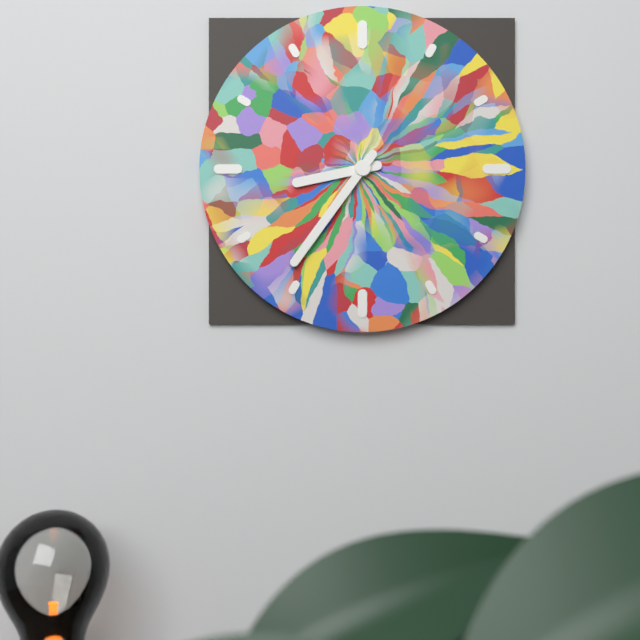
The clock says {"hour": 8, "minute": 36}
